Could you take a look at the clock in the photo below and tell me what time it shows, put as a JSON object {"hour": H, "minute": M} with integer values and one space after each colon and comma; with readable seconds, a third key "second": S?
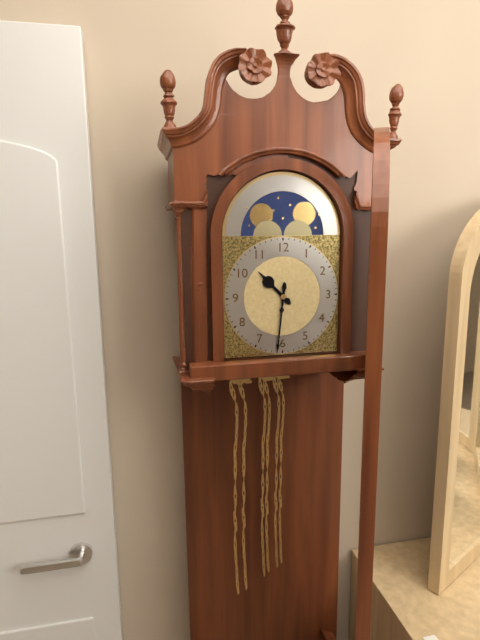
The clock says {"hour": 10, "minute": 31}
